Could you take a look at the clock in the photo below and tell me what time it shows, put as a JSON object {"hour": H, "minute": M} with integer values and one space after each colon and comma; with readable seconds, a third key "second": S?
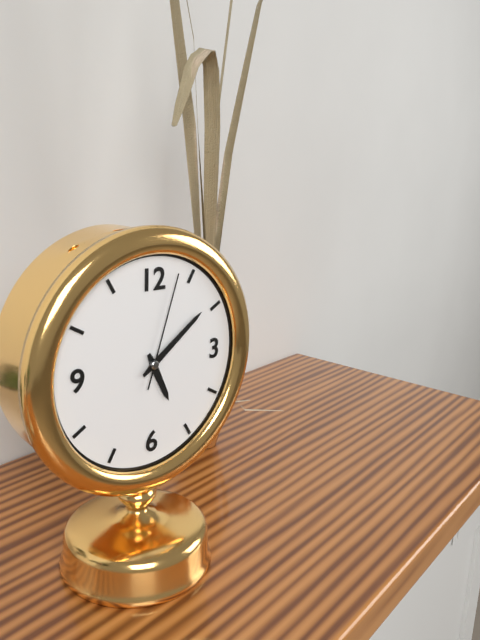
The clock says {"hour": 5, "minute": 9, "second": 3}
